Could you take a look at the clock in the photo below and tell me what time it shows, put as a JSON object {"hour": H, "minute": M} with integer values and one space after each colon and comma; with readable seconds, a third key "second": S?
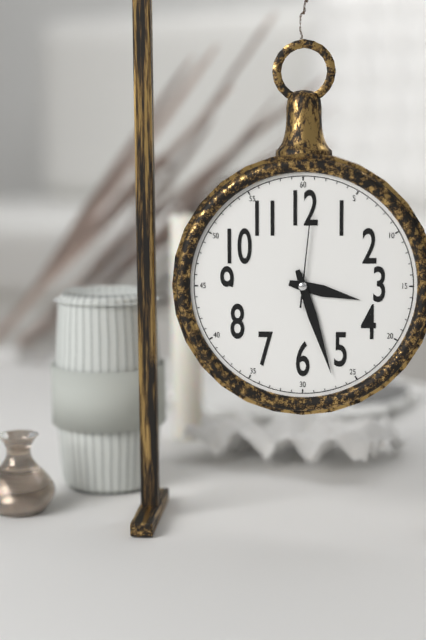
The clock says {"hour": 3, "minute": 27, "second": 1}
